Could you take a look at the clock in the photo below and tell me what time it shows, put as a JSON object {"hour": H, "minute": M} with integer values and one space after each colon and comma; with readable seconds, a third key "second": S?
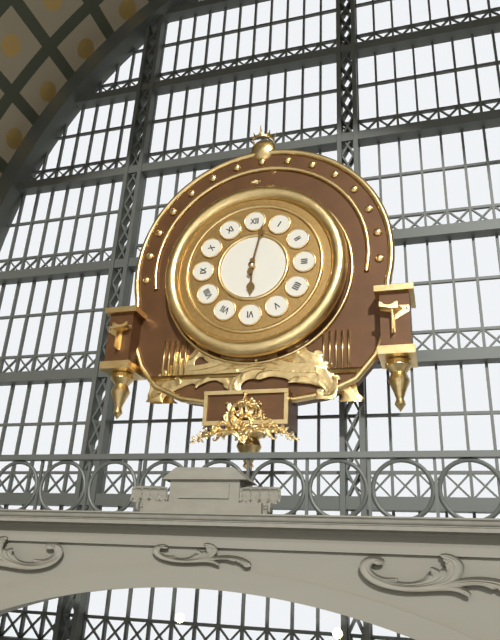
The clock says {"hour": 6, "minute": 2}
